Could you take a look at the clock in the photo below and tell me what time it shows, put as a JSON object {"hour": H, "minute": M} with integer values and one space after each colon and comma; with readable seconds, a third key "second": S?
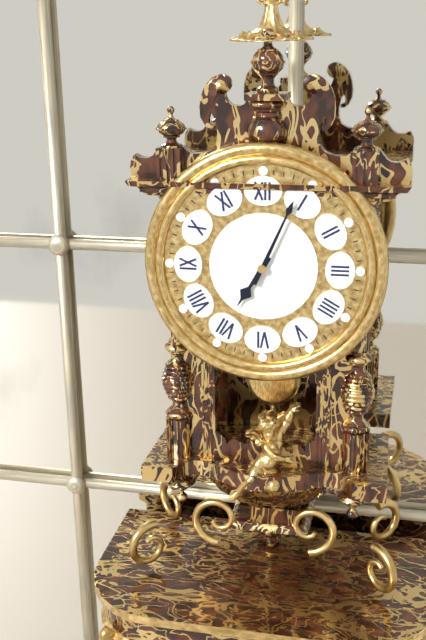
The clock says {"hour": 7, "minute": 4}
